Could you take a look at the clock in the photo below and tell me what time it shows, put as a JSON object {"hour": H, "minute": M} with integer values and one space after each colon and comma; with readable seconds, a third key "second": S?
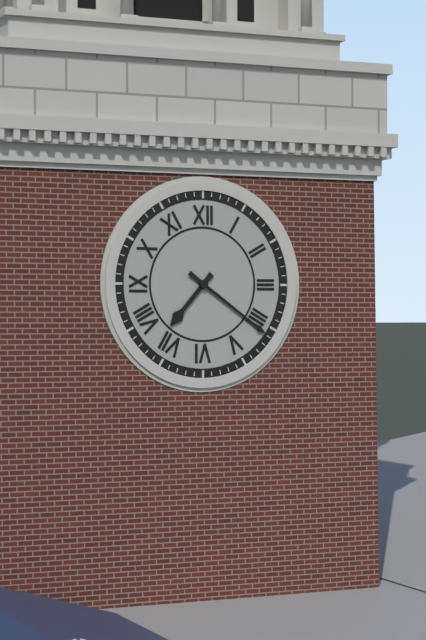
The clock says {"hour": 7, "minute": 21}
